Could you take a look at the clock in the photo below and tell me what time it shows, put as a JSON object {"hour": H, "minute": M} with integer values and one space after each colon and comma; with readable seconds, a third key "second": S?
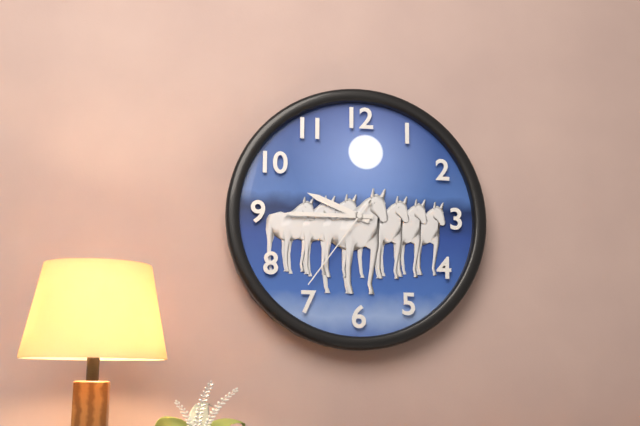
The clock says {"hour": 9, "minute": 45, "second": 36}
